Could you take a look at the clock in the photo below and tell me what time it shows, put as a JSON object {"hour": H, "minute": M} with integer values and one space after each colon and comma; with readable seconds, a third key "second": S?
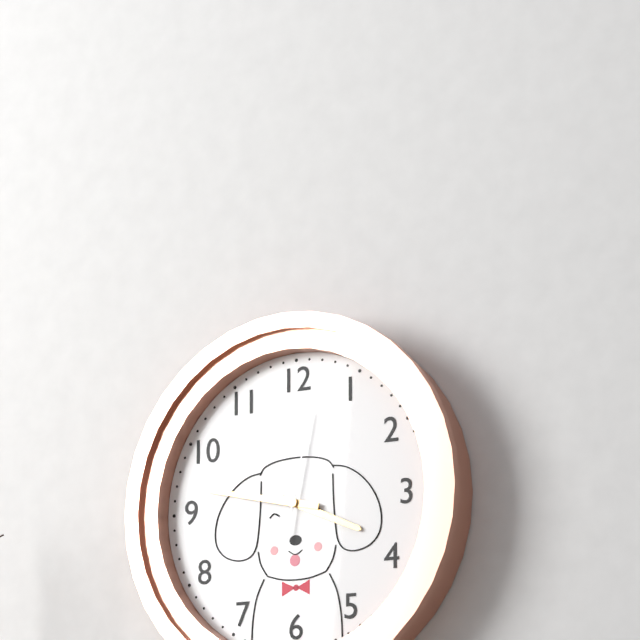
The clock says {"hour": 3, "minute": 47, "second": 2}
